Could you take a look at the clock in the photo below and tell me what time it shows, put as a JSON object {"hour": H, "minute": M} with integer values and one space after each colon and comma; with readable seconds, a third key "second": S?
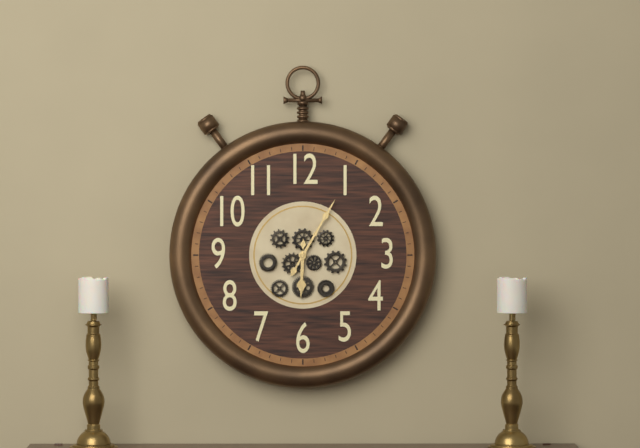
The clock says {"hour": 6, "minute": 5}
